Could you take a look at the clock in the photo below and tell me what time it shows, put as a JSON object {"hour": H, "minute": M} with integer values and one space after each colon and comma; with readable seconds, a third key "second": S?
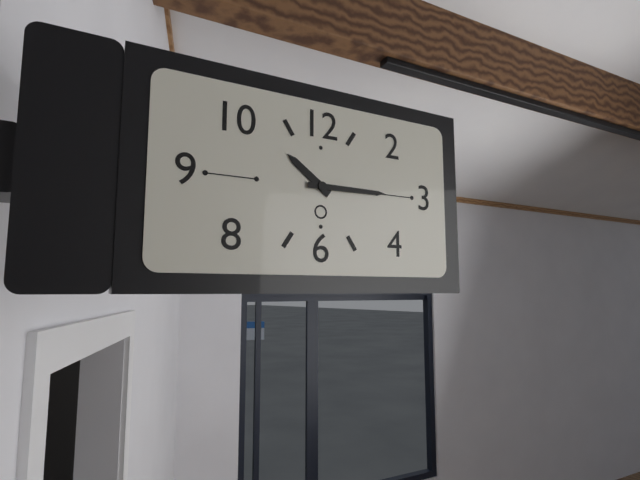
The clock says {"hour": 10, "minute": 15}
